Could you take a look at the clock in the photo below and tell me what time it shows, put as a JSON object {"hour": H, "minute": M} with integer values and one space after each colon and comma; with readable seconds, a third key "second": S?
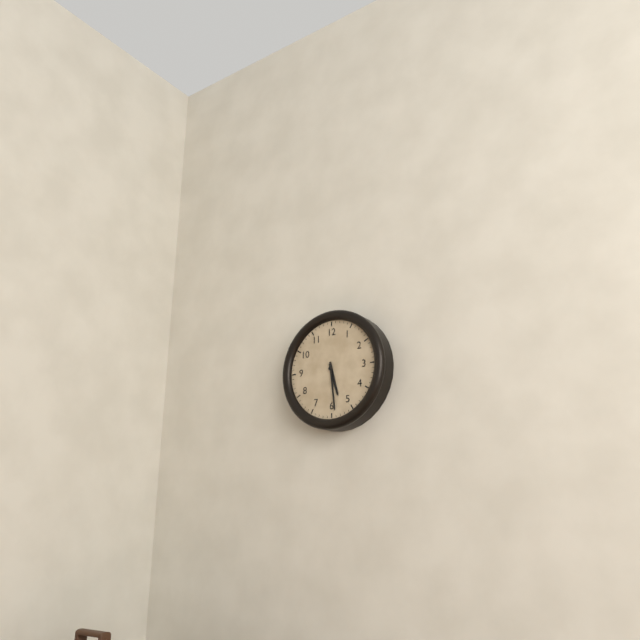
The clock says {"hour": 5, "minute": 29}
